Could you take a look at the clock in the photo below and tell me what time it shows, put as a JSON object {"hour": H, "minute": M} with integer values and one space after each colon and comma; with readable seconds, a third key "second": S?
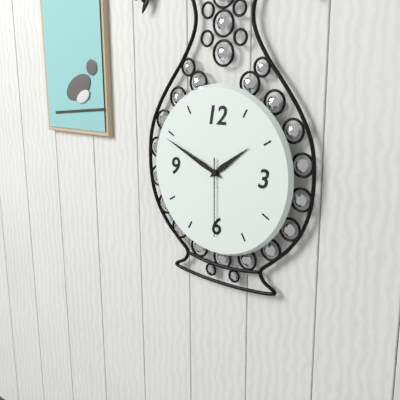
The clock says {"hour": 1, "minute": 49, "second": 30}
